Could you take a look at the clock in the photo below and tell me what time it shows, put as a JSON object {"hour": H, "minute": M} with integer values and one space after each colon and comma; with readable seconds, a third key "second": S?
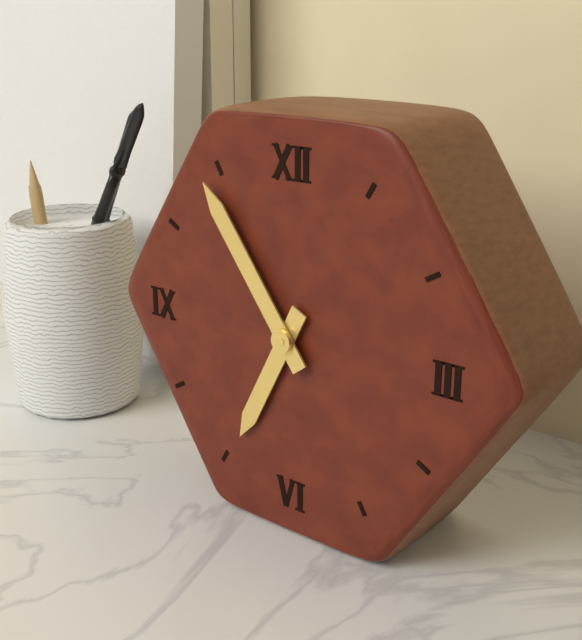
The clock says {"hour": 6, "minute": 54}
